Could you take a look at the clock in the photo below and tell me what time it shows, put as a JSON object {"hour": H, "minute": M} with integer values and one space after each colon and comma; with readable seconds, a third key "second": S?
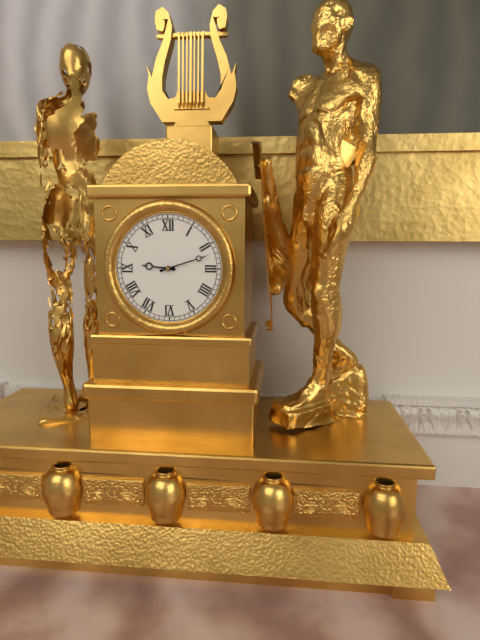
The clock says {"hour": 9, "minute": 12}
